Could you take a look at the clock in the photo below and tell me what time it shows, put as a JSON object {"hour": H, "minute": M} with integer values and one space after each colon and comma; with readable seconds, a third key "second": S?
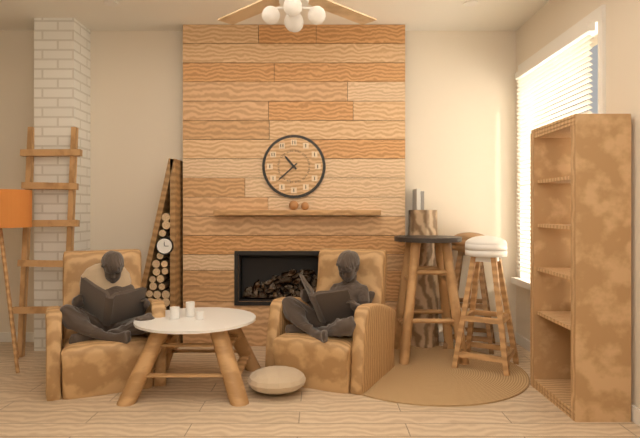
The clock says {"hour": 10, "minute": 38}
